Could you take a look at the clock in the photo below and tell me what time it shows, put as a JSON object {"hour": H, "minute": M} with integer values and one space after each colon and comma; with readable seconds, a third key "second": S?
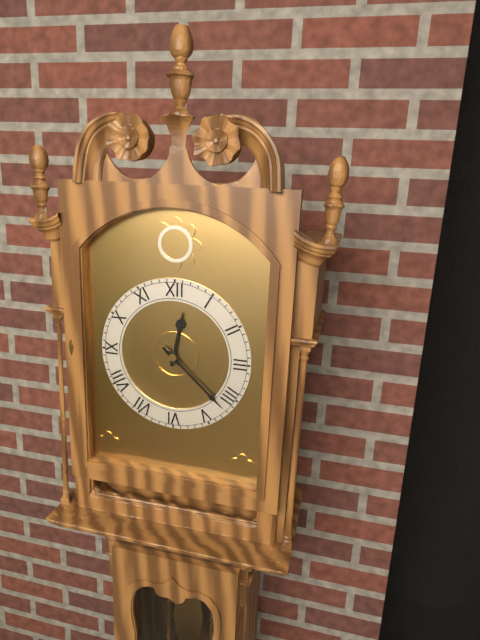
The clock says {"hour": 12, "minute": 22}
